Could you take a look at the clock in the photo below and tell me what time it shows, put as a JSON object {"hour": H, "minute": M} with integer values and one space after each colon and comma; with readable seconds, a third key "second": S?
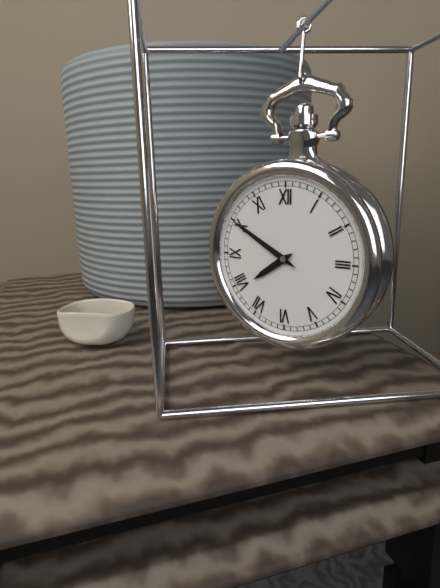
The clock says {"hour": 7, "minute": 50}
